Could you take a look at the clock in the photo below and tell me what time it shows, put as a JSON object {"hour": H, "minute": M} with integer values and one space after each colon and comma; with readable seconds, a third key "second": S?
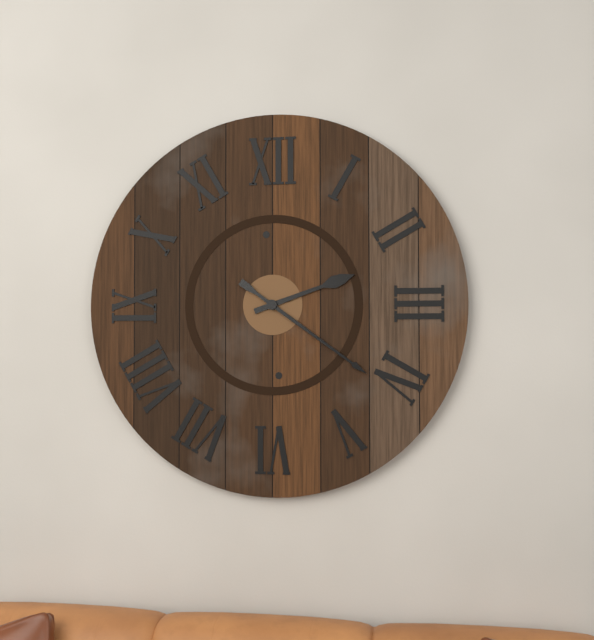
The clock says {"hour": 2, "minute": 21}
